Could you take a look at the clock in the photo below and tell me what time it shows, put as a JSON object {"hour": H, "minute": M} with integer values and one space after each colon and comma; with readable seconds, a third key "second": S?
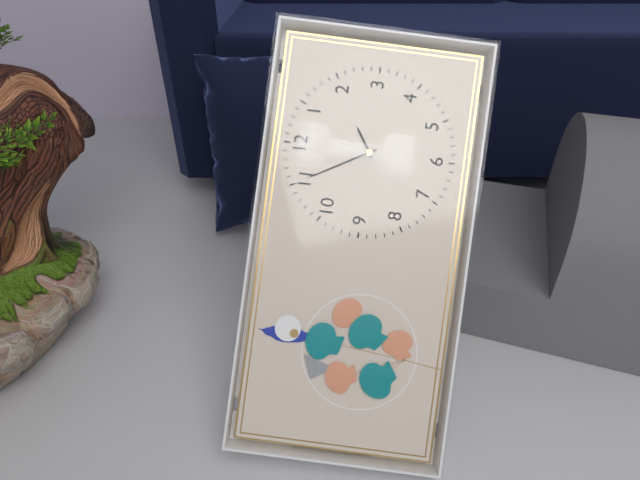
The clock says {"hour": 1, "minute": 55}
